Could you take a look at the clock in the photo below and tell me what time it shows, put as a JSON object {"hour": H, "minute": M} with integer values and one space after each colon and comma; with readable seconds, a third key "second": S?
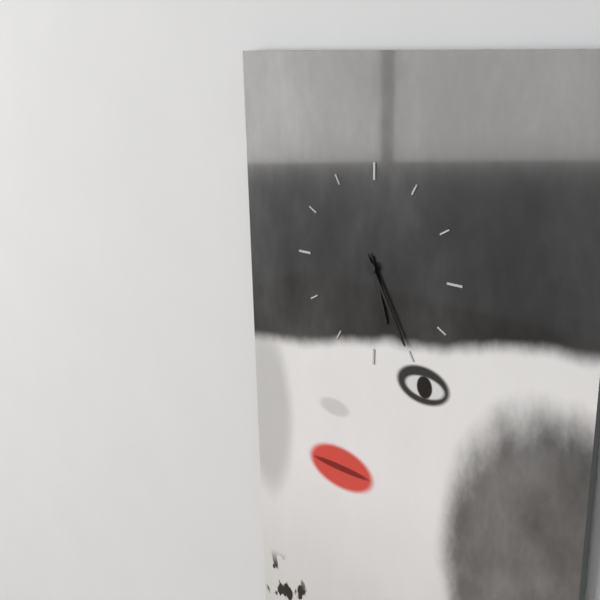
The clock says {"hour": 5, "minute": 25}
